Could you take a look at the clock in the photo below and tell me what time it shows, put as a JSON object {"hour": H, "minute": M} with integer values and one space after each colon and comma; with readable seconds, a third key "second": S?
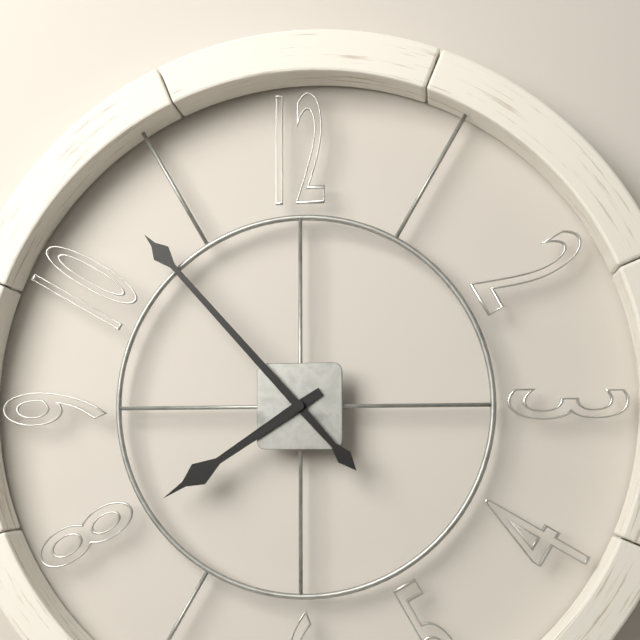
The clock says {"hour": 7, "minute": 53}
